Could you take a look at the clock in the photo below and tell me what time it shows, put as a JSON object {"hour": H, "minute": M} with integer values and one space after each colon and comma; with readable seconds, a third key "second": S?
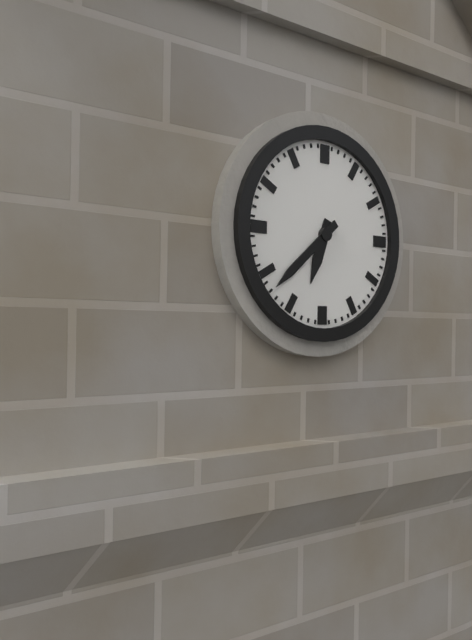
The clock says {"hour": 6, "minute": 38}
